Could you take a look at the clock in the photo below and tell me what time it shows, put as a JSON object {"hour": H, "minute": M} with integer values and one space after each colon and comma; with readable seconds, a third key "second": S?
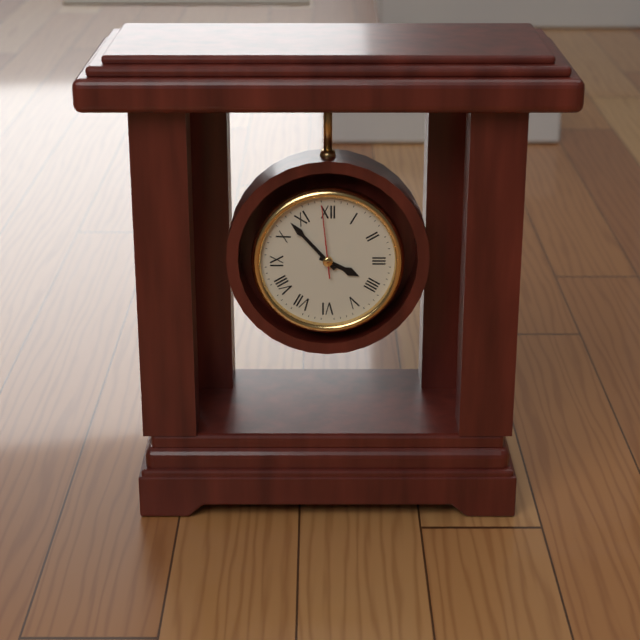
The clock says {"hour": 3, "minute": 53}
